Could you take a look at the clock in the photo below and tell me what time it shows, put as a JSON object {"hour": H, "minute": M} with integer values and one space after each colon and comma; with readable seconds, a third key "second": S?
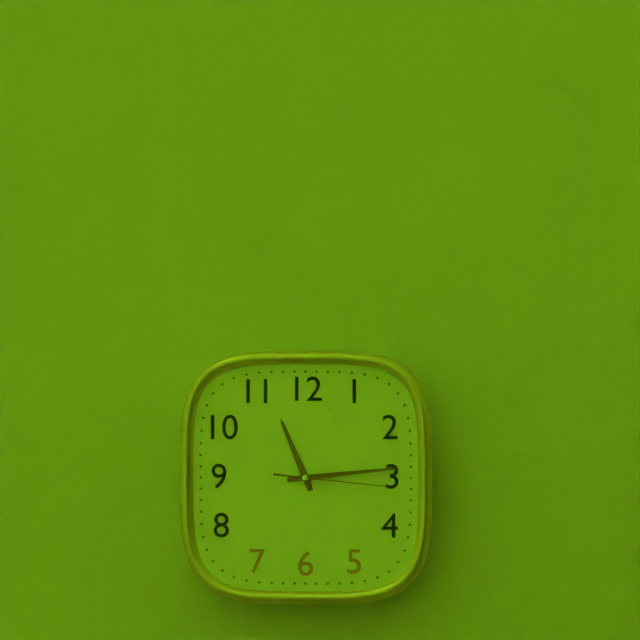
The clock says {"hour": 11, "minute": 14, "second": 16}
